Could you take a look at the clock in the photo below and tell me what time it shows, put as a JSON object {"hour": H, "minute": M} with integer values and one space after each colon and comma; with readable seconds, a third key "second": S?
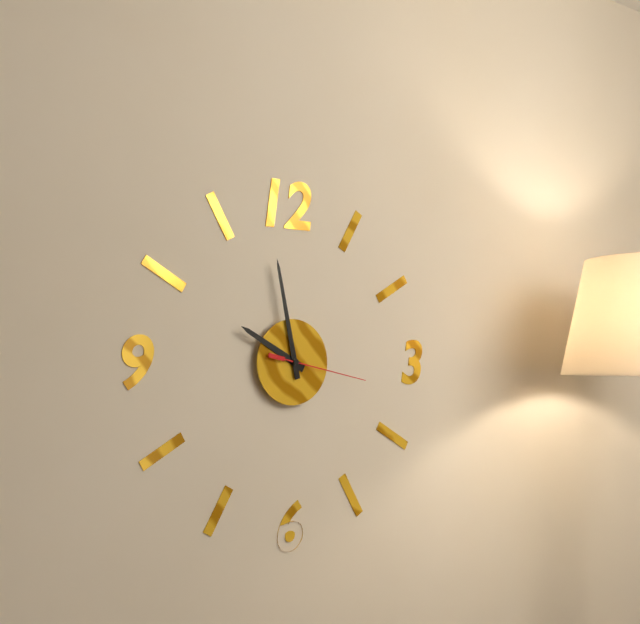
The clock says {"hour": 9, "minute": 58, "second": 17}
